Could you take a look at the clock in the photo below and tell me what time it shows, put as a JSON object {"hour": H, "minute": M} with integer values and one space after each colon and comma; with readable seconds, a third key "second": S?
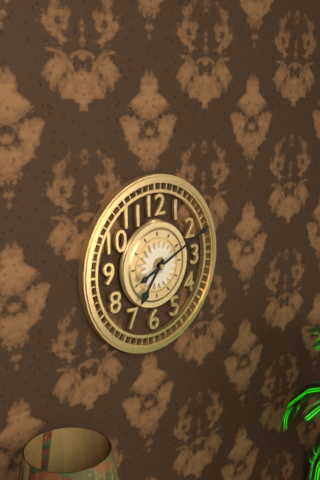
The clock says {"hour": 7, "minute": 11}
